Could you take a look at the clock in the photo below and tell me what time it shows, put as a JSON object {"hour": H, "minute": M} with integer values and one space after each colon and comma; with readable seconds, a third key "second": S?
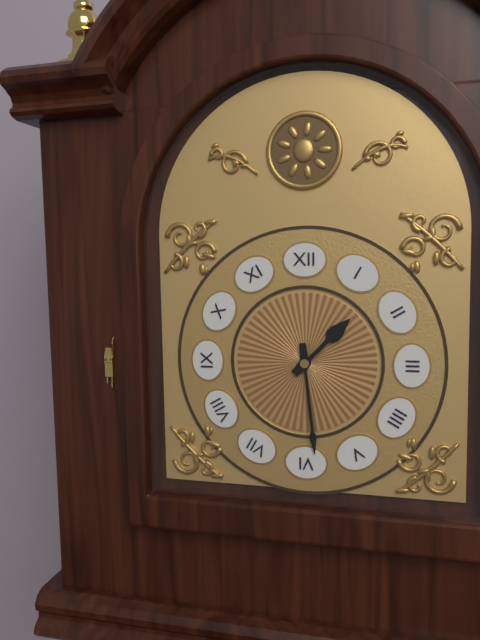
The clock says {"hour": 1, "minute": 29}
